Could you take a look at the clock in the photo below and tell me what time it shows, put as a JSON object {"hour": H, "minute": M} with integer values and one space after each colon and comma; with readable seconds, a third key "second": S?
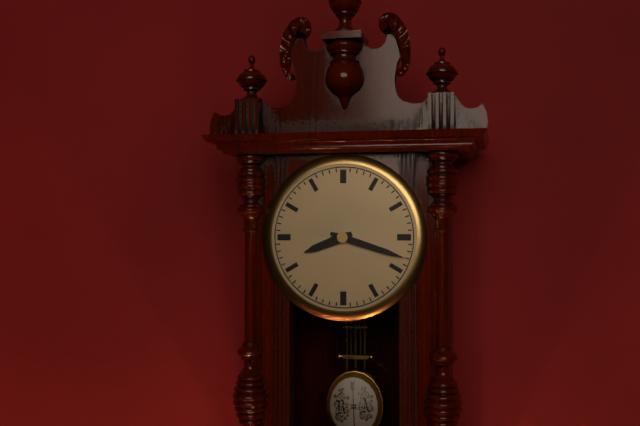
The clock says {"hour": 8, "minute": 18}
